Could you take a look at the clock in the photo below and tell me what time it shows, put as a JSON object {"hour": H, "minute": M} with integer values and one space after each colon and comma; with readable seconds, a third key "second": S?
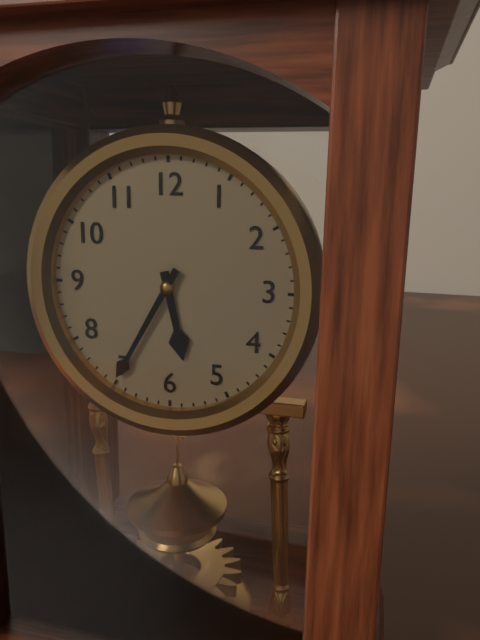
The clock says {"hour": 5, "minute": 35}
